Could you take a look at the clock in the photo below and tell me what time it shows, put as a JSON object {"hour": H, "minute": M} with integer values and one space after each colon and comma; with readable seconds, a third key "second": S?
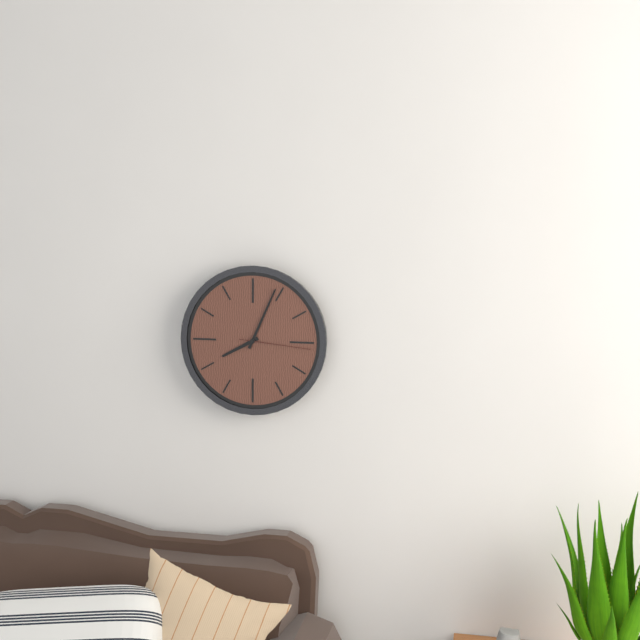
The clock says {"hour": 8, "minute": 4, "second": 16}
